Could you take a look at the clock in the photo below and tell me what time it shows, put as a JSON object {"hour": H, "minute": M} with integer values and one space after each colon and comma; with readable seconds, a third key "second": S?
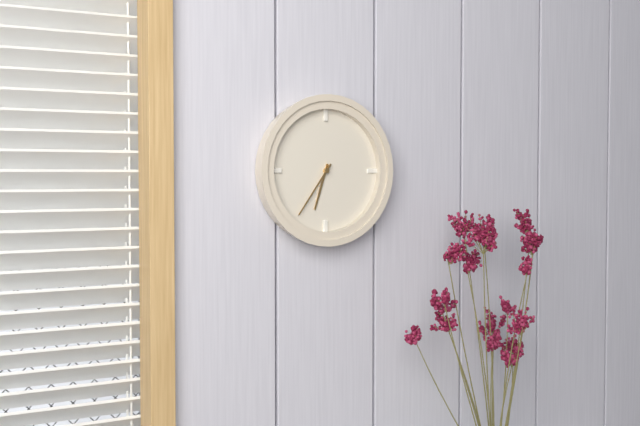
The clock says {"hour": 6, "minute": 36}
